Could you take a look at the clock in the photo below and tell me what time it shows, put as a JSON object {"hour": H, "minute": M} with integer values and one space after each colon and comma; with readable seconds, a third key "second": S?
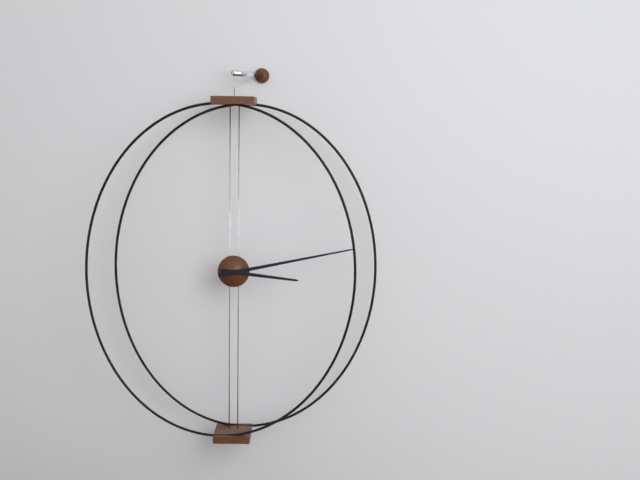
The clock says {"hour": 3, "minute": 13}
